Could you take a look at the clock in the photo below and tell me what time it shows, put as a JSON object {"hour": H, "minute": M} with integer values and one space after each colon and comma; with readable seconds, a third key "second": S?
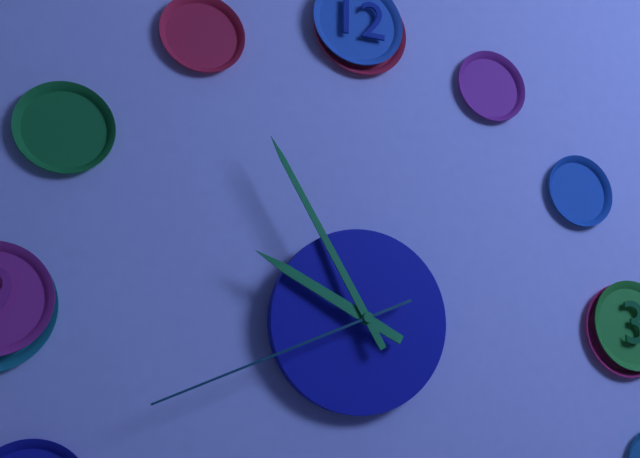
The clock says {"hour": 9, "minute": 55, "second": 41}
